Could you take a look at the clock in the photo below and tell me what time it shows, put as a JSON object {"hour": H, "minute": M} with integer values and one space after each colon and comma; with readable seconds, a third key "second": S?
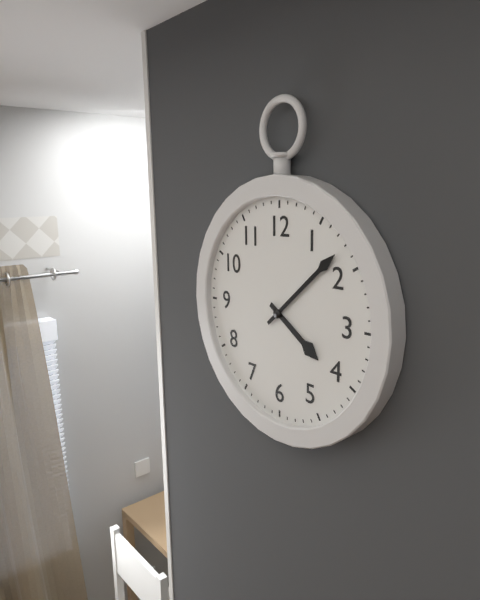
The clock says {"hour": 4, "minute": 8}
